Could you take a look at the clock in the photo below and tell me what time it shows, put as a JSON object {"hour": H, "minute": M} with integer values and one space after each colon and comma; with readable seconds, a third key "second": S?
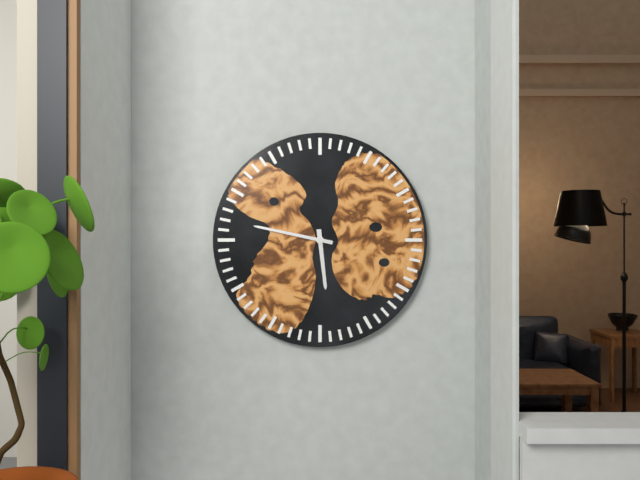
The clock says {"hour": 5, "minute": 47}
